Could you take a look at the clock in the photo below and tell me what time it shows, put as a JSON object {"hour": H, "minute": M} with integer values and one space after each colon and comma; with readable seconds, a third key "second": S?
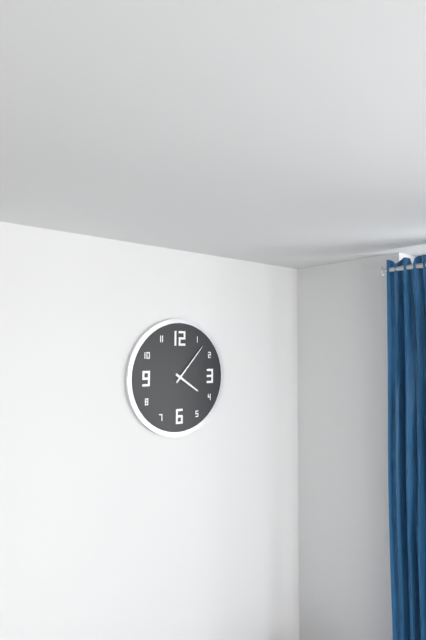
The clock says {"hour": 4, "minute": 7}
